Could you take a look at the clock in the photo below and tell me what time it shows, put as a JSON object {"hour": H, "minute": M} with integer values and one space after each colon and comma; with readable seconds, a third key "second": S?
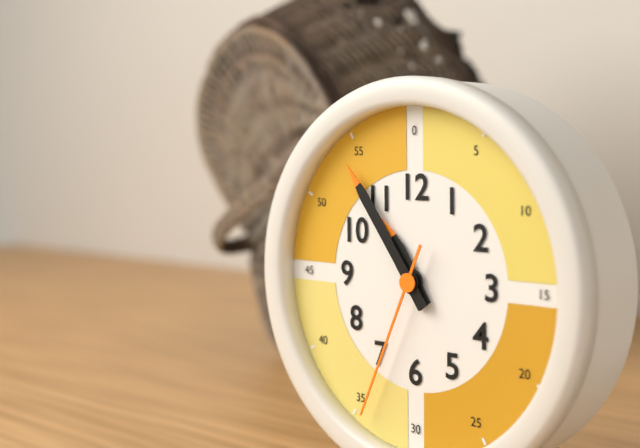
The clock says {"hour": 10, "minute": 54, "second": 34}
